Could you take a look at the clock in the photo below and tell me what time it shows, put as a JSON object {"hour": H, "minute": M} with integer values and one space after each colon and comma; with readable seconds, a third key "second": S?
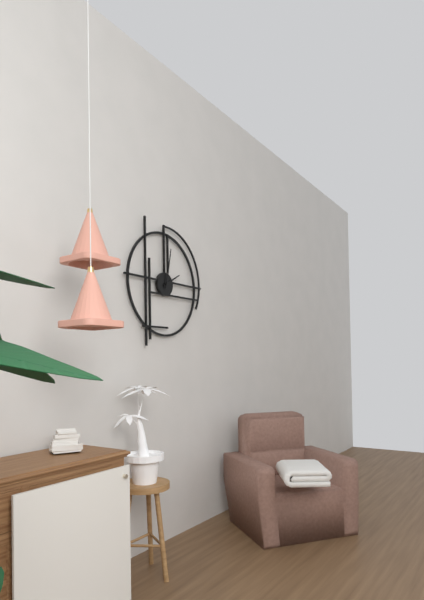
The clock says {"hour": 2, "minute": 2}
